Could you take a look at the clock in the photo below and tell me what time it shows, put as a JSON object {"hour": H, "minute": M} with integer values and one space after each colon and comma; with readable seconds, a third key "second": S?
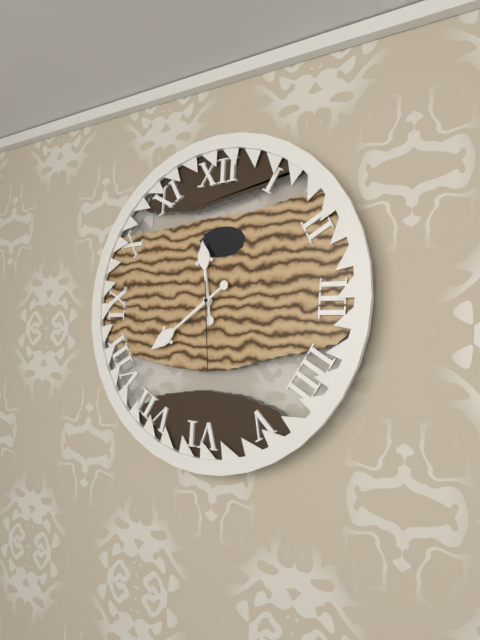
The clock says {"hour": 11, "minute": 39, "second": 29}
